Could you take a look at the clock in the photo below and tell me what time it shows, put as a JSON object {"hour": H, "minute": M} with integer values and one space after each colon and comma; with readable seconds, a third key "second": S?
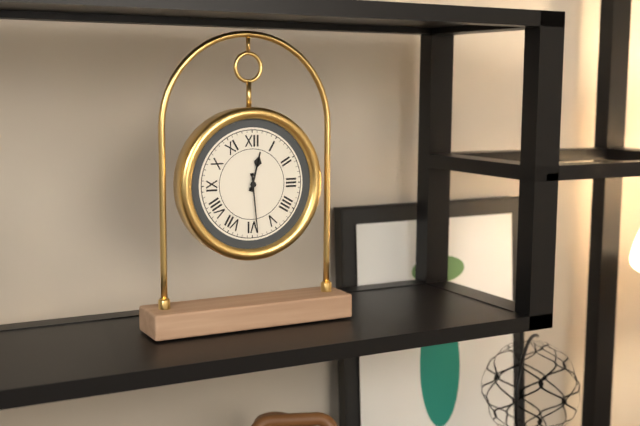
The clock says {"hour": 12, "minute": 29}
